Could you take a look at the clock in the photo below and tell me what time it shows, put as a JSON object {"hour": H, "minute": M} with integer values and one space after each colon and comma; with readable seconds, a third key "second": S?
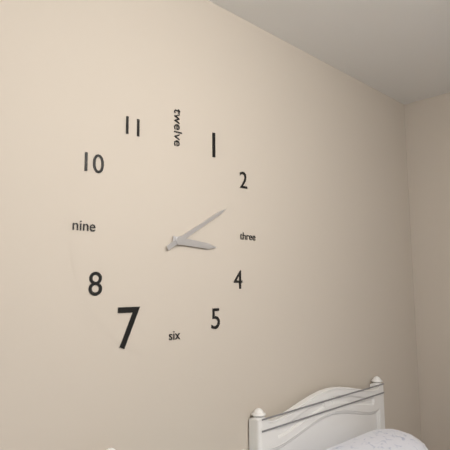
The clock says {"hour": 3, "minute": 10}
